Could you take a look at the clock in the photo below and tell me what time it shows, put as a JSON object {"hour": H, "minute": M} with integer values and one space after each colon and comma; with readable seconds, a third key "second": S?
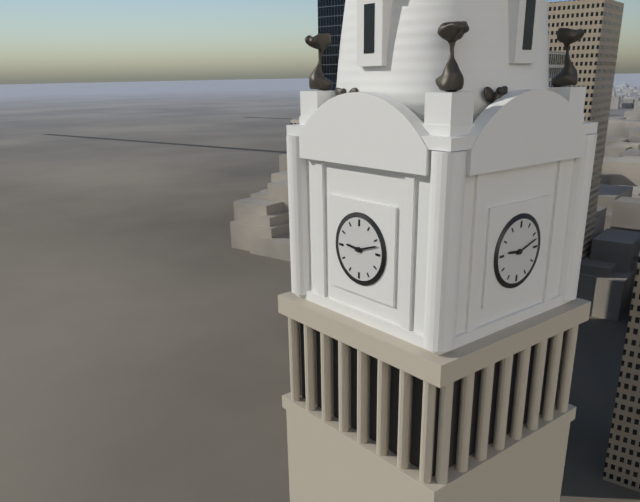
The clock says {"hour": 9, "minute": 12}
